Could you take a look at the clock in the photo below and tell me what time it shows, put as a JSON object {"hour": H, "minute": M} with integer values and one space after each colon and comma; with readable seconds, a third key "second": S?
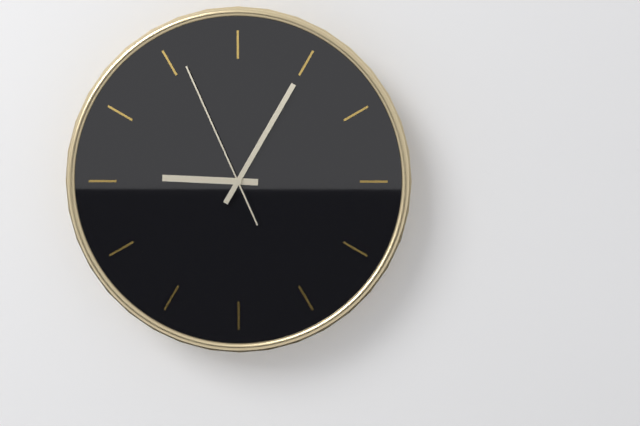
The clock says {"hour": 9, "minute": 5, "second": 56}
